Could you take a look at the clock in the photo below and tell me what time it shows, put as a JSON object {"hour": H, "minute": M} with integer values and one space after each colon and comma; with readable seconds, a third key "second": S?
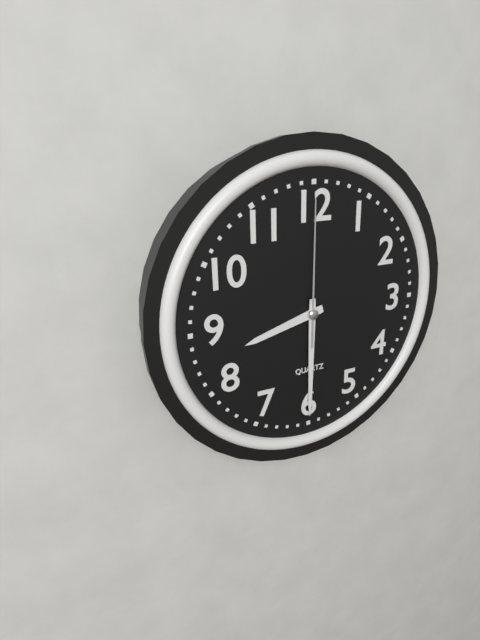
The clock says {"hour": 8, "minute": 30, "second": 0}
